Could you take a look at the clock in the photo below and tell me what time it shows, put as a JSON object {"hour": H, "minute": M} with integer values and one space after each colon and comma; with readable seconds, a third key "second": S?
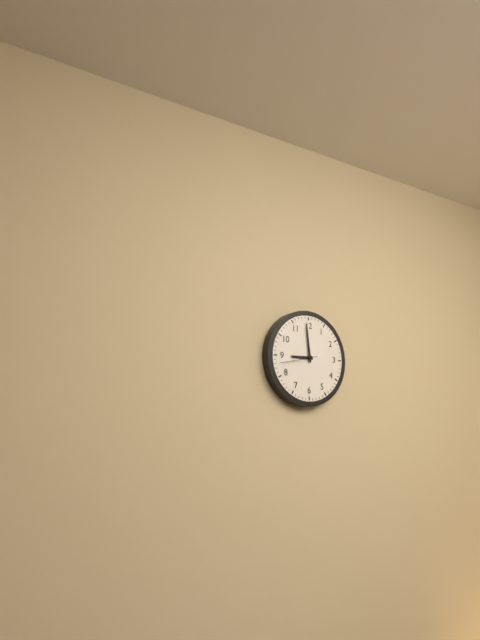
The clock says {"hour": 8, "minute": 59}
